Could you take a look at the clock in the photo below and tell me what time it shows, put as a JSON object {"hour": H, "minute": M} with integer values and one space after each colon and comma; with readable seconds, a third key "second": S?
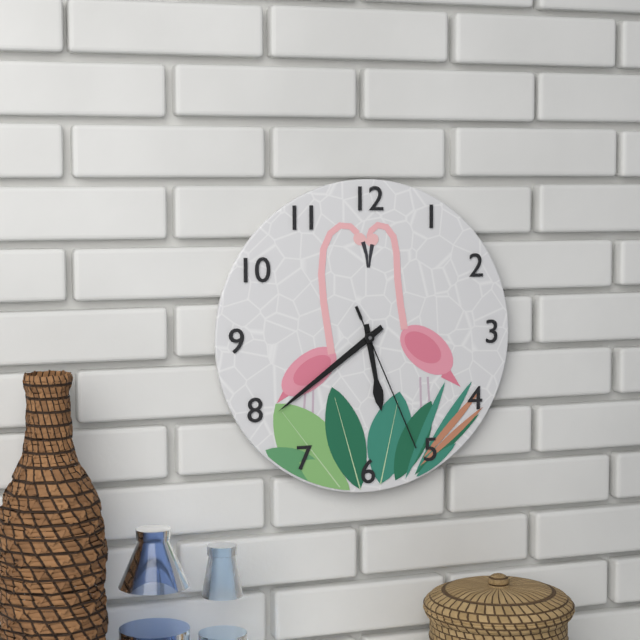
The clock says {"hour": 5, "minute": 39, "second": 26}
